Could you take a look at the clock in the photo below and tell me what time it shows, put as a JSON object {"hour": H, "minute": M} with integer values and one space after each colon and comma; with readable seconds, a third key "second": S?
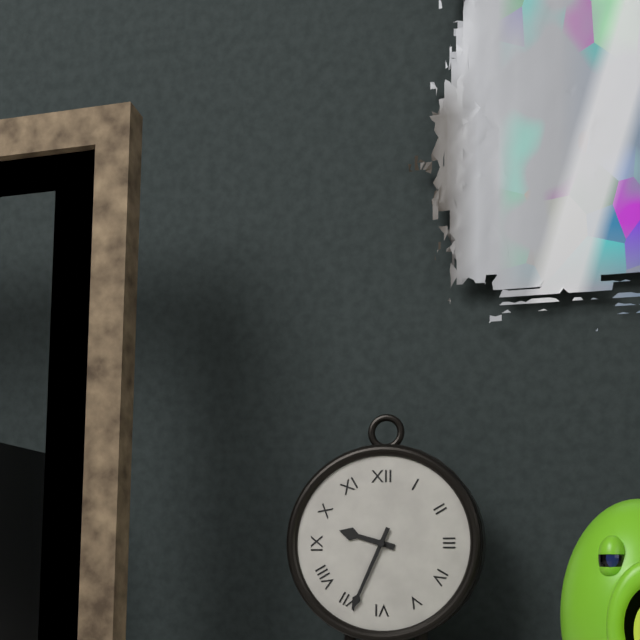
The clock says {"hour": 9, "minute": 34}
